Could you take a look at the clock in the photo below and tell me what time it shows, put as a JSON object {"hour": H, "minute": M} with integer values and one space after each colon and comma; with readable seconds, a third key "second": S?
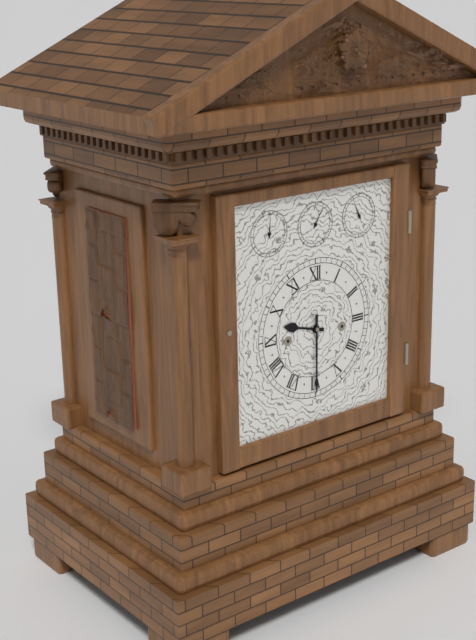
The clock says {"hour": 9, "minute": 30}
